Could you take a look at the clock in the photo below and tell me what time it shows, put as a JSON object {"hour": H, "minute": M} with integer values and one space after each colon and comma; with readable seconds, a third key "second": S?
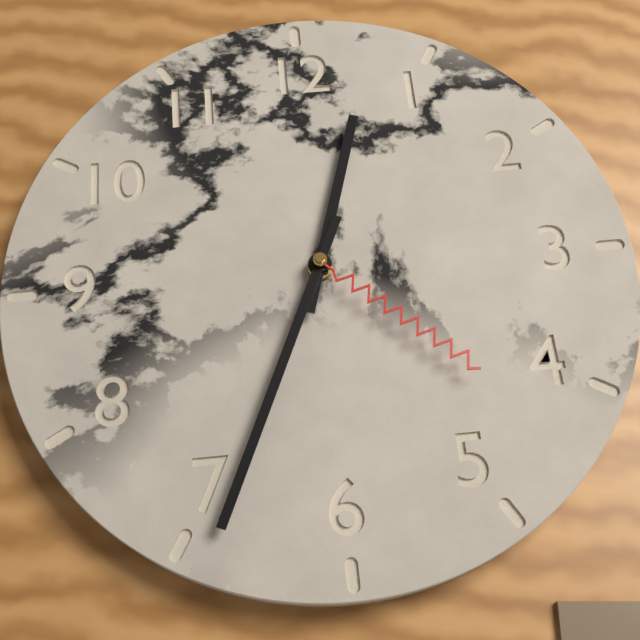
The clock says {"hour": 12, "minute": 34, "second": 22}
